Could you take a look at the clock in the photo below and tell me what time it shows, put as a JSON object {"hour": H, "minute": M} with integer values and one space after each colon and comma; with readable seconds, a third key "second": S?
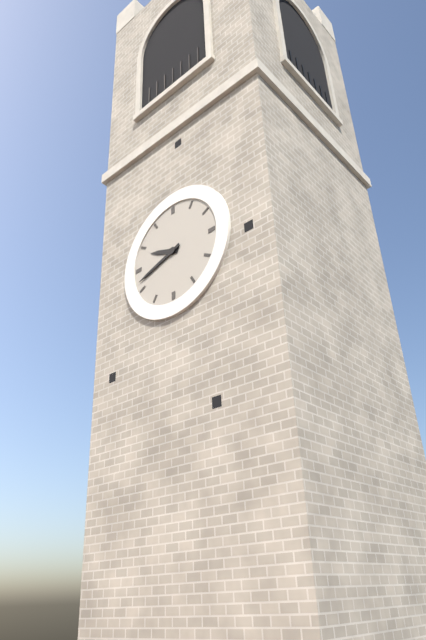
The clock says {"hour": 9, "minute": 42}
